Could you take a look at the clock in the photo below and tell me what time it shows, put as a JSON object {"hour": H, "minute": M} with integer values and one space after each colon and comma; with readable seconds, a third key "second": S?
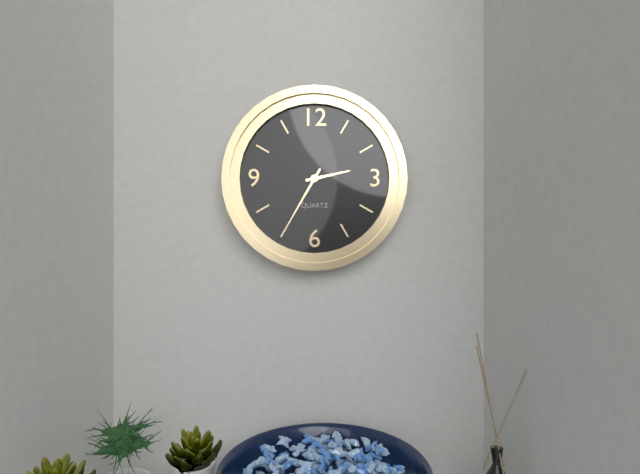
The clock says {"hour": 2, "minute": 35}
